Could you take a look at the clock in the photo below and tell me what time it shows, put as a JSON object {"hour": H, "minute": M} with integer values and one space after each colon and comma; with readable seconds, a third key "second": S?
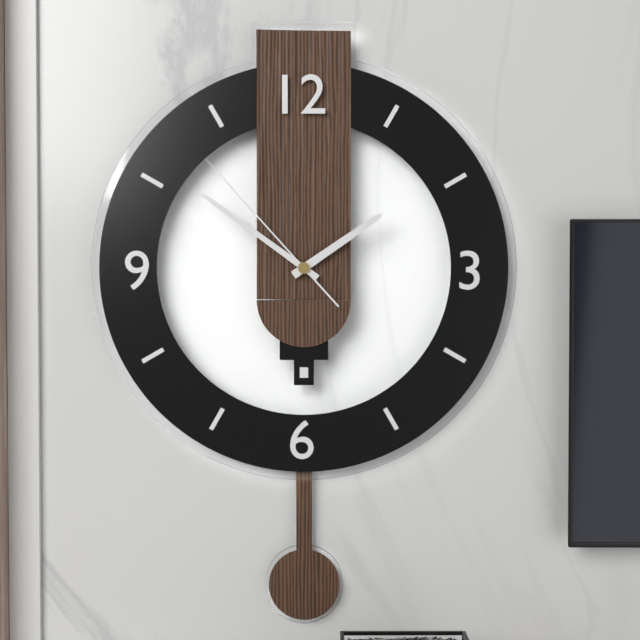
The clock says {"hour": 1, "minute": 51, "second": 53}
